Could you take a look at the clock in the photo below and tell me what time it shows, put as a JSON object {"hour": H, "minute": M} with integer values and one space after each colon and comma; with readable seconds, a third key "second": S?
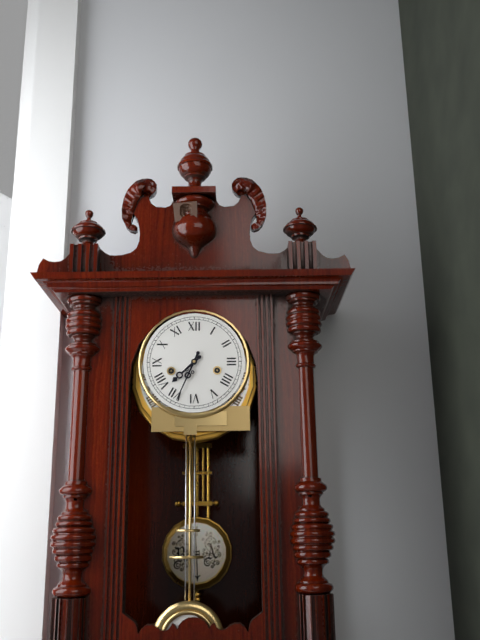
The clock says {"hour": 7, "minute": 34}
